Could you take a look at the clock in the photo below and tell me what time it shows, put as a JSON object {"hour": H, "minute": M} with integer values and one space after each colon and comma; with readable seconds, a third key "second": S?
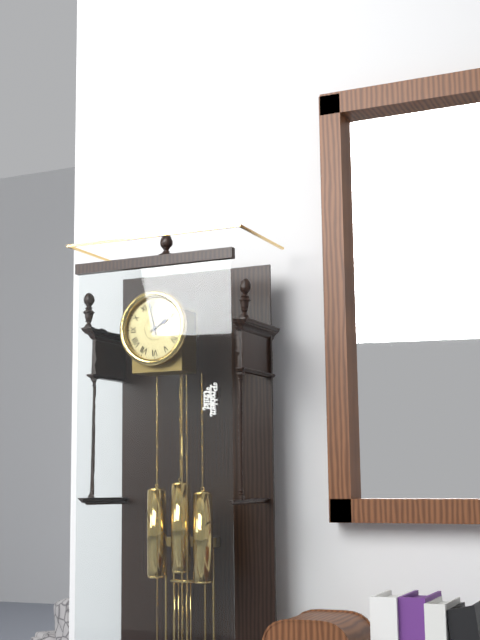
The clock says {"hour": 1, "minute": 58}
